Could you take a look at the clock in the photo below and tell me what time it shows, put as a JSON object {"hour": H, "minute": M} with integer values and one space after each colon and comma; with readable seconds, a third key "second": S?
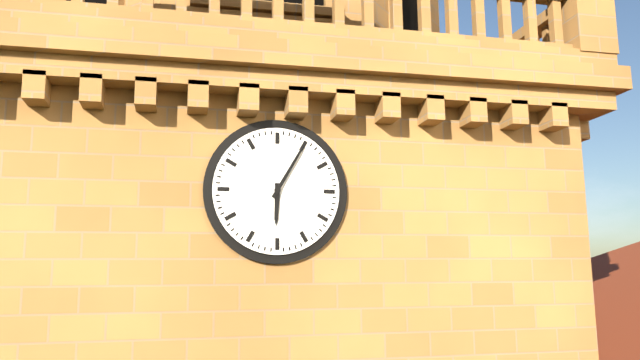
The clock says {"hour": 6, "minute": 5}
